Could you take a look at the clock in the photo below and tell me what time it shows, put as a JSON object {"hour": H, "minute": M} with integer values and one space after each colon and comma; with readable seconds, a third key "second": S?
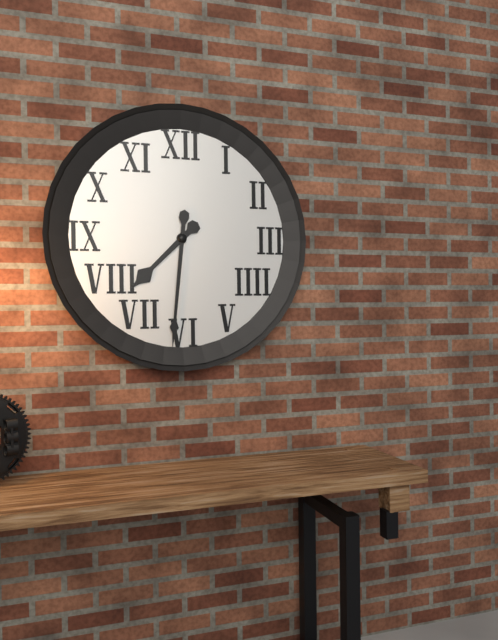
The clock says {"hour": 7, "minute": 31}
